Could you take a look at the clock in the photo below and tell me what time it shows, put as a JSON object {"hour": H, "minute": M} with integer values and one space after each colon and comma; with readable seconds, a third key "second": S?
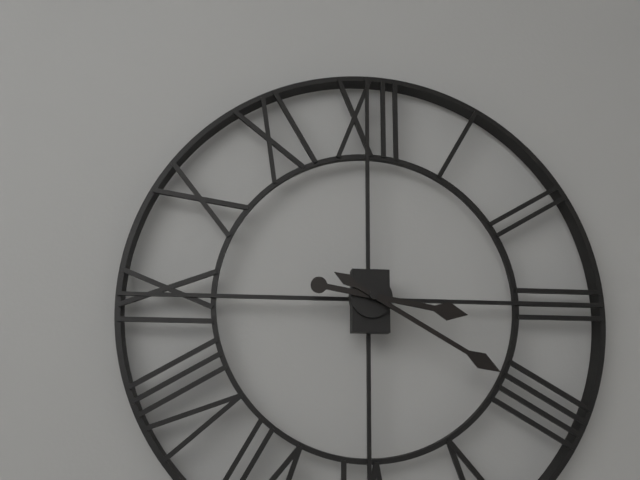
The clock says {"hour": 3, "minute": 20}
